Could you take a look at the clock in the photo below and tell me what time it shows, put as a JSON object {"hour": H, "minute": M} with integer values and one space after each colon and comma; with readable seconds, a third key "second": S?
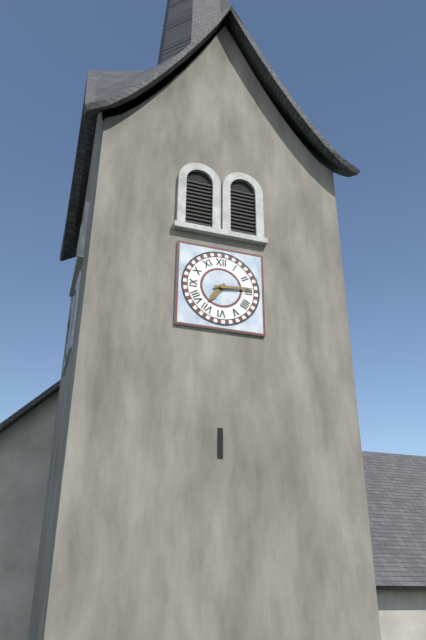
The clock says {"hour": 7, "minute": 14}
